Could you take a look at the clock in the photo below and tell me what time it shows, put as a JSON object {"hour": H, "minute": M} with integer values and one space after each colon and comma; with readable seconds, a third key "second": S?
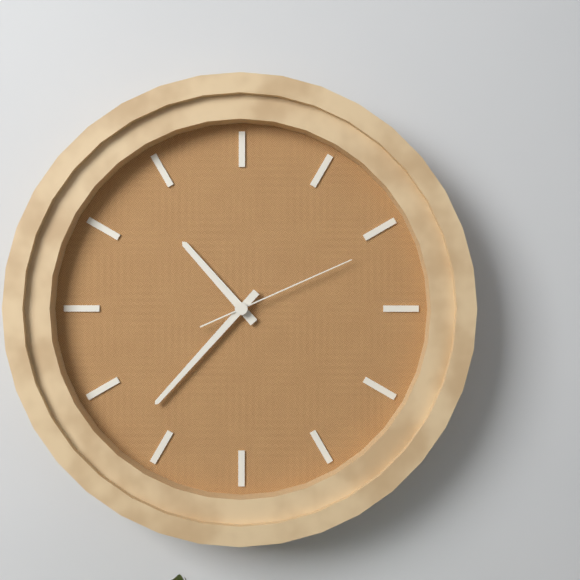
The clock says {"hour": 10, "minute": 37, "second": 11}
